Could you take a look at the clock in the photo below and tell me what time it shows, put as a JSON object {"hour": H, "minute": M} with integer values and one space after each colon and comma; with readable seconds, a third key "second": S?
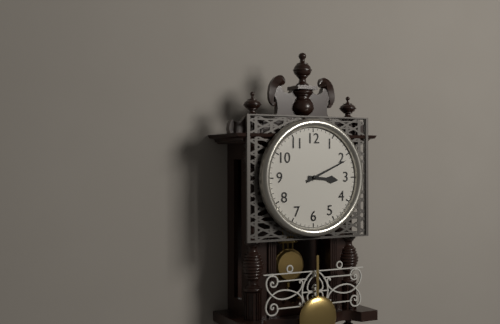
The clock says {"hour": 3, "minute": 11}
